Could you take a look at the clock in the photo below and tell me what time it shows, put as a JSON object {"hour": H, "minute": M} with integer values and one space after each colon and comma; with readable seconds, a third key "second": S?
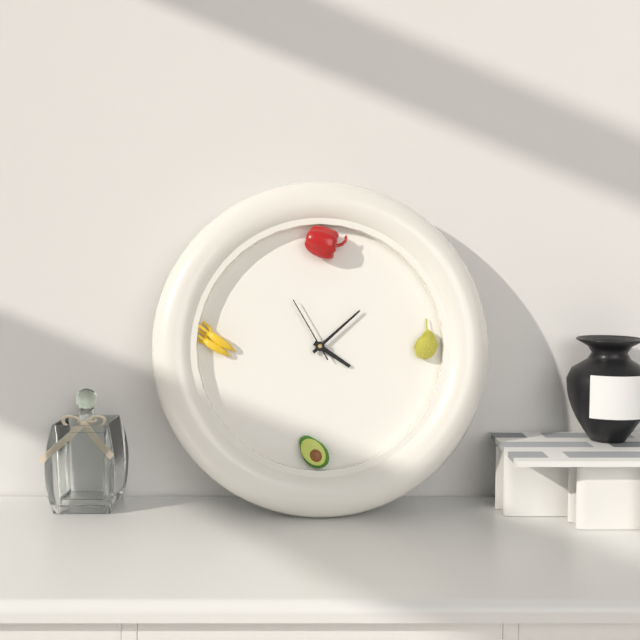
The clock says {"hour": 4, "minute": 8, "second": 55}
